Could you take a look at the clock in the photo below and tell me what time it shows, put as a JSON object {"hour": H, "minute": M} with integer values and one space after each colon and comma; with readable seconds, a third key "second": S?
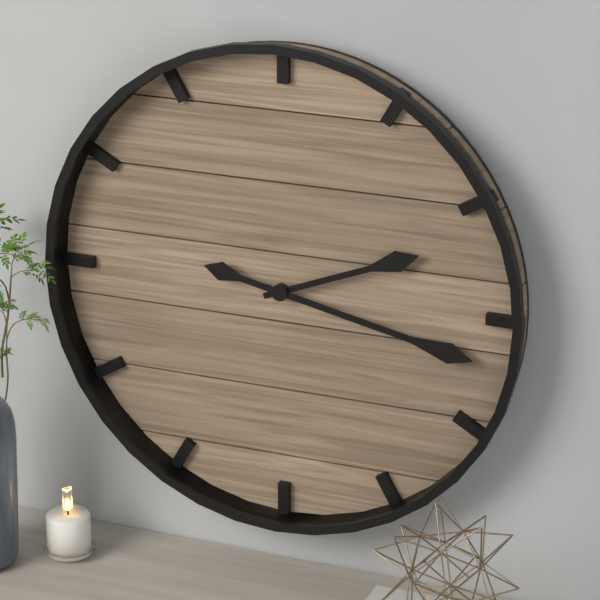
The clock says {"hour": 2, "minute": 17}
